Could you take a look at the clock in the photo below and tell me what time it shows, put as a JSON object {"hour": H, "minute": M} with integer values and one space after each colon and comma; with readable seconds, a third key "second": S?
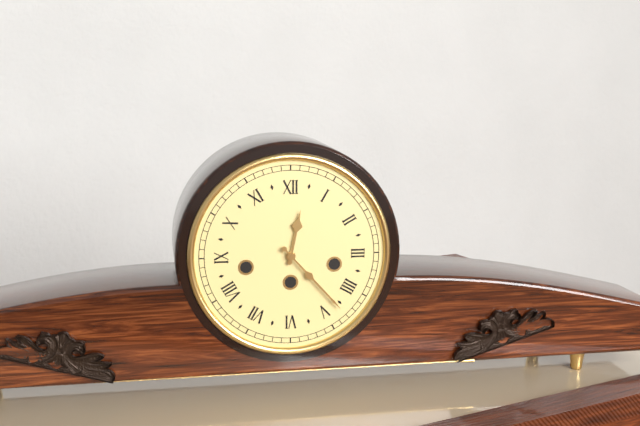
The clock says {"hour": 12, "minute": 23}
